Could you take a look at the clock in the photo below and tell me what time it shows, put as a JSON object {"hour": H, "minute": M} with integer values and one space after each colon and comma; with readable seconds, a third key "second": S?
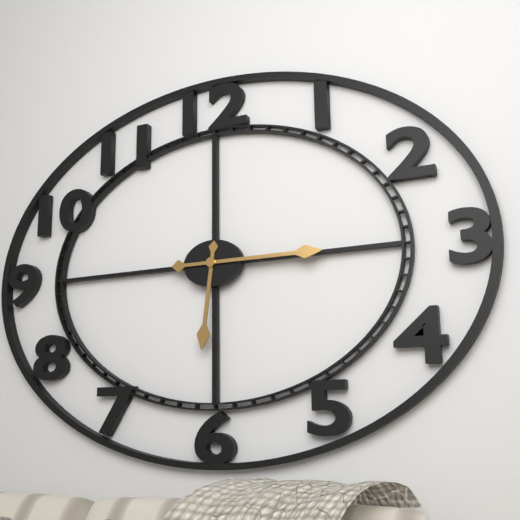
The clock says {"hour": 6, "minute": 15}
